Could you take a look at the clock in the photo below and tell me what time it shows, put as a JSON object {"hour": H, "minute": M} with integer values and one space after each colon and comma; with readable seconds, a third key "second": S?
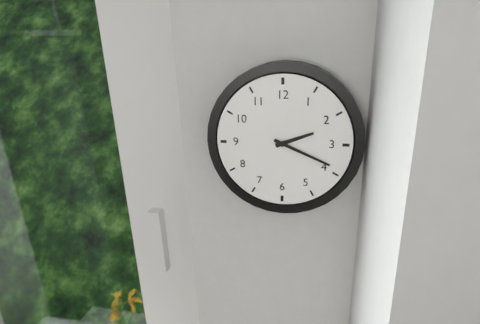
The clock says {"hour": 2, "minute": 19}
